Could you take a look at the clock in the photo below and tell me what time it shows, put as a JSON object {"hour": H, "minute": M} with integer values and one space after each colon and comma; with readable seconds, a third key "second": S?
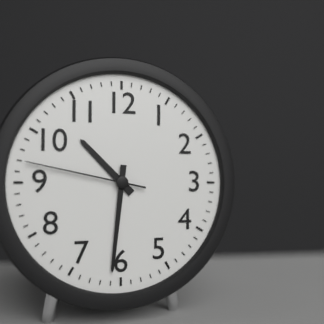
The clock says {"hour": 10, "minute": 31, "second": 47}
